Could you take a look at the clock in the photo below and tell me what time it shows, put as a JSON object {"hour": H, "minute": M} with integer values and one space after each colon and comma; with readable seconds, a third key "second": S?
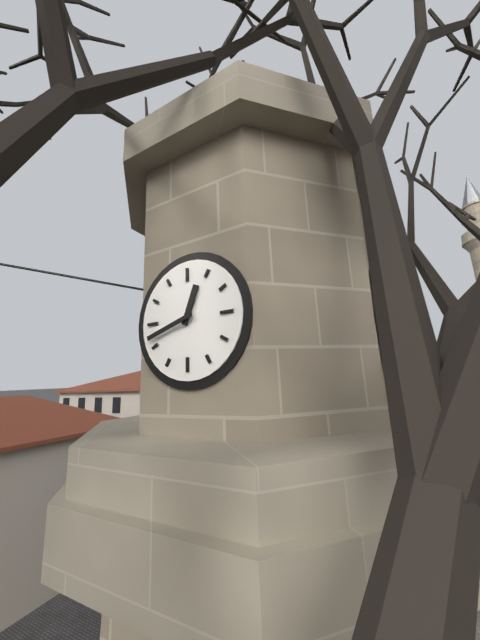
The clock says {"hour": 12, "minute": 42}
